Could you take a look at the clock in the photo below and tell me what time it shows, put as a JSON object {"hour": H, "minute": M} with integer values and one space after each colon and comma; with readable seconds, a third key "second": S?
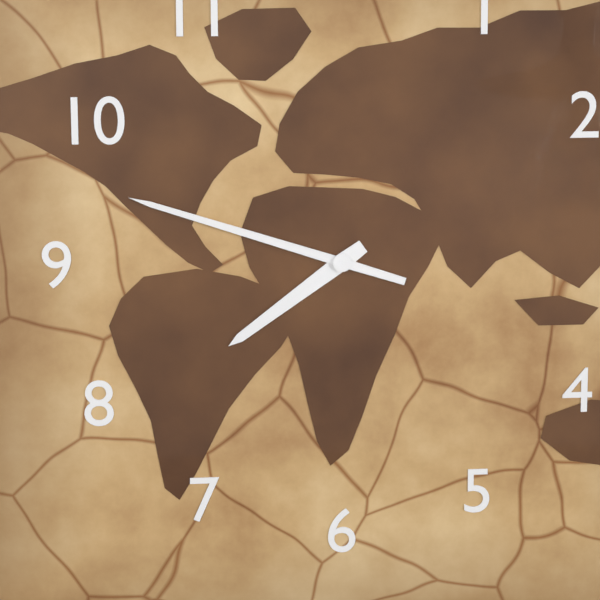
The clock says {"hour": 7, "minute": 48}
